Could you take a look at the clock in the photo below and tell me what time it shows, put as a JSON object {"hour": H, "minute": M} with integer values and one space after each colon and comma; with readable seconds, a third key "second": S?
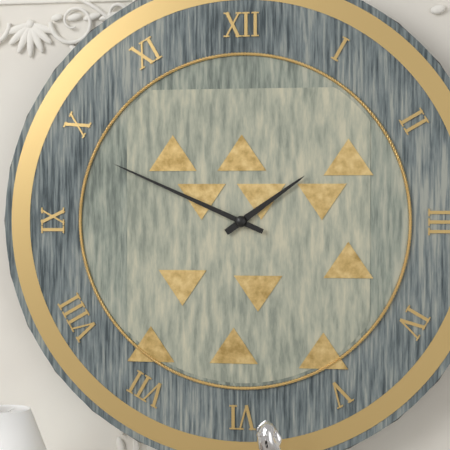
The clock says {"hour": 1, "minute": 49}
